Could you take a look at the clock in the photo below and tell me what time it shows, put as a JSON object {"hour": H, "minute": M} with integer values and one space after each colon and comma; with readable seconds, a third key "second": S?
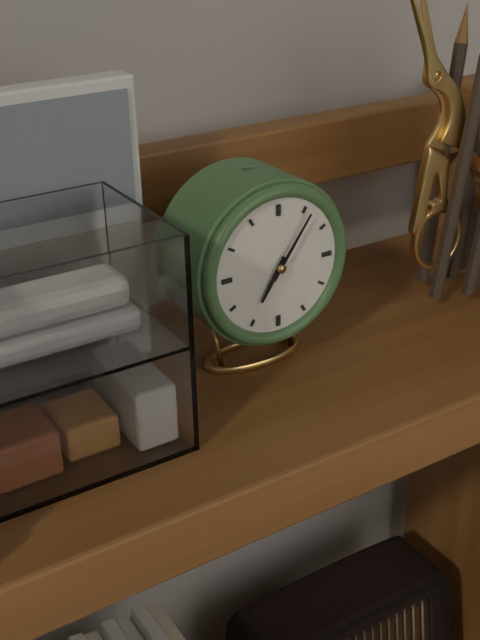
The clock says {"hour": 7, "minute": 6}
